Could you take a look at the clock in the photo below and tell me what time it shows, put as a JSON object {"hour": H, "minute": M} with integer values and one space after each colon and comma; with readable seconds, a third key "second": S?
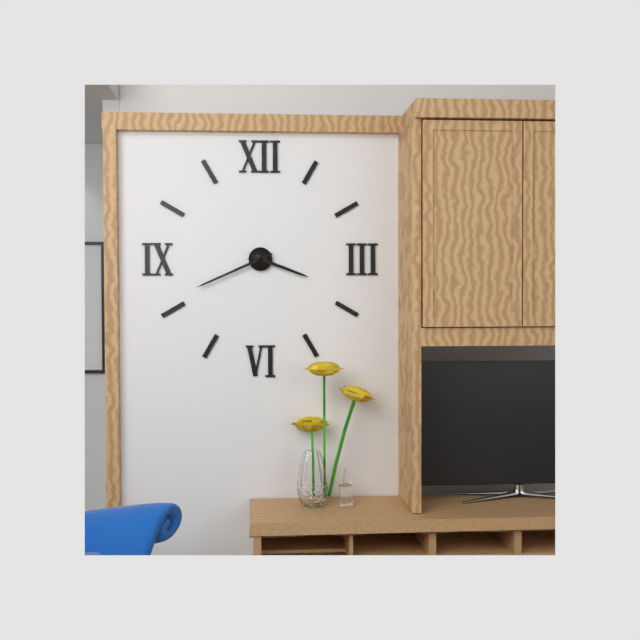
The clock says {"hour": 3, "minute": 41}
